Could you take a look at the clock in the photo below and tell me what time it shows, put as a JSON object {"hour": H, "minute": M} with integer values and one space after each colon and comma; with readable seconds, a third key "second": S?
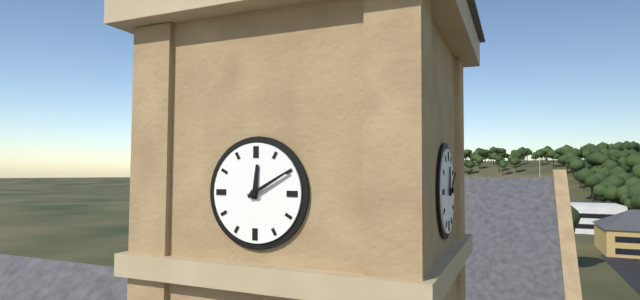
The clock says {"hour": 12, "minute": 10}
